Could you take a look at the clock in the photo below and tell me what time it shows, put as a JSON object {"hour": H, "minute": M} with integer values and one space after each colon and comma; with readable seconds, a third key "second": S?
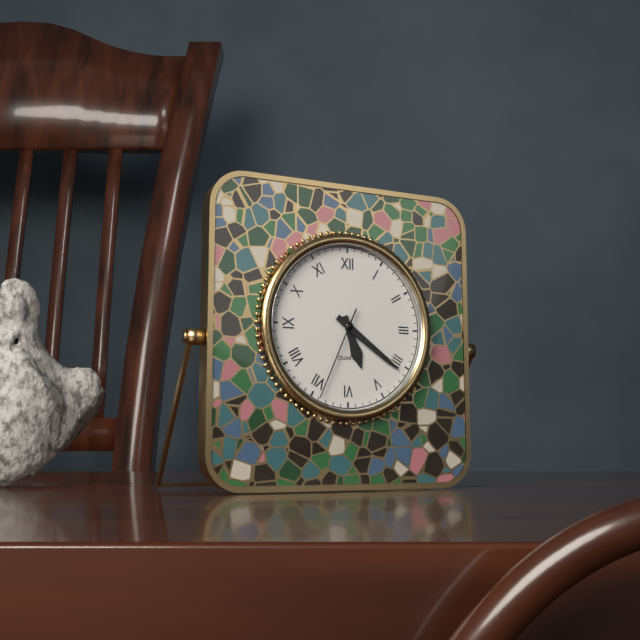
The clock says {"hour": 5, "minute": 21, "second": 34}
